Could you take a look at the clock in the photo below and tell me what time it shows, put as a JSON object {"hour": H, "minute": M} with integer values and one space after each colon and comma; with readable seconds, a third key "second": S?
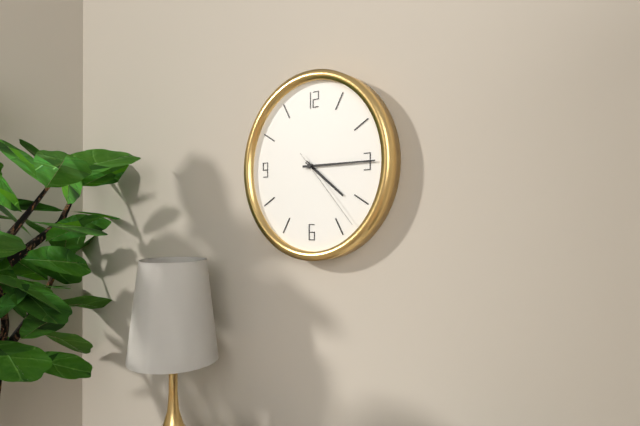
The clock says {"hour": 4, "minute": 15, "second": 23}
